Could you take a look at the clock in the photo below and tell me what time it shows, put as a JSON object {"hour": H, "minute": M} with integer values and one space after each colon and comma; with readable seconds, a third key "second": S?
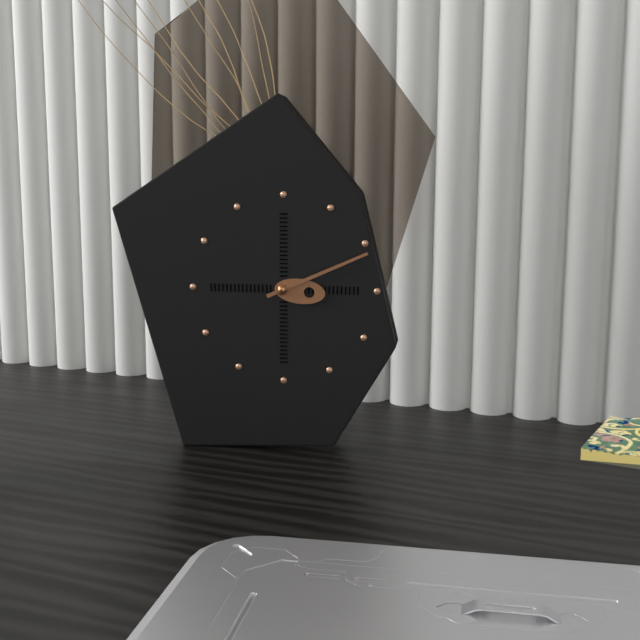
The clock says {"hour": 3, "minute": 11}
